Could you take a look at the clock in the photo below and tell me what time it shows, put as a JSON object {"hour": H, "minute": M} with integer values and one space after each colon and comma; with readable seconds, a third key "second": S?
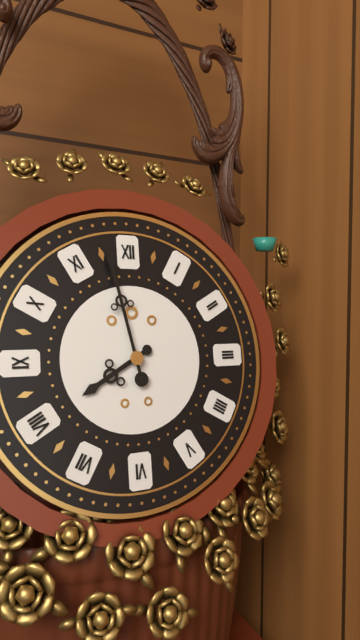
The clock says {"hour": 7, "minute": 58}
